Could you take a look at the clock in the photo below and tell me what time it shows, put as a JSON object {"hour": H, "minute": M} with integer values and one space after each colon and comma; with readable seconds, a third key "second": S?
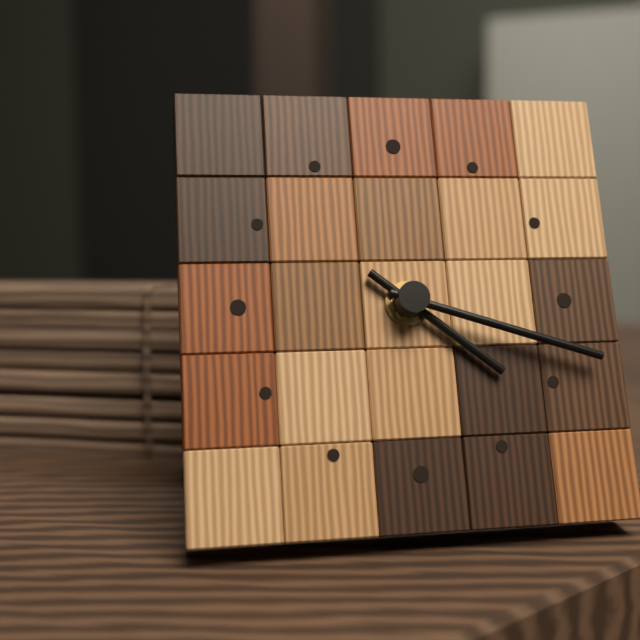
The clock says {"hour": 4, "minute": 18}
